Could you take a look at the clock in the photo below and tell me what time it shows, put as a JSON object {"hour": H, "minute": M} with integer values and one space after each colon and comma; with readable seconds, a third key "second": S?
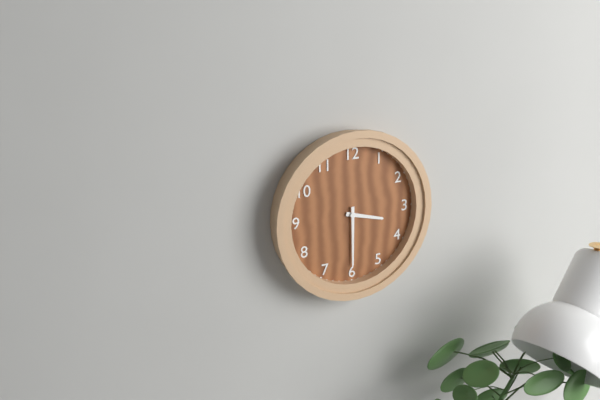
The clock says {"hour": 3, "minute": 30}
